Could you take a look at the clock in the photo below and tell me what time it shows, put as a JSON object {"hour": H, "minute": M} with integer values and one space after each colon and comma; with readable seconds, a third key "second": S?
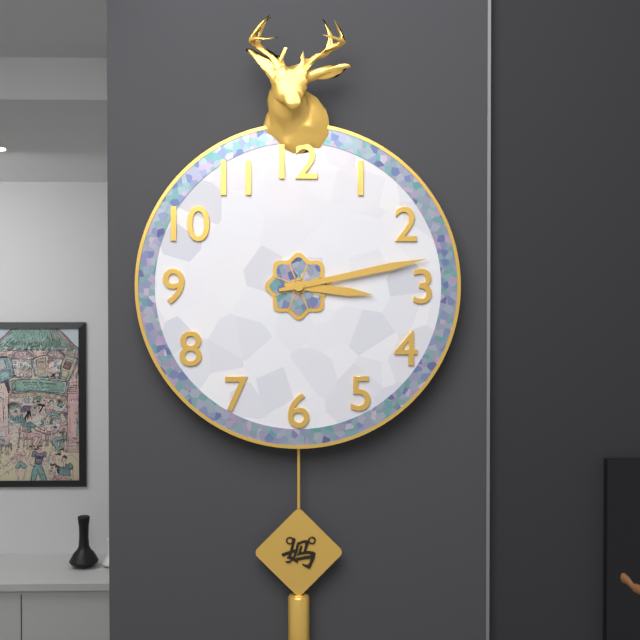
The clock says {"hour": 3, "minute": 13}
